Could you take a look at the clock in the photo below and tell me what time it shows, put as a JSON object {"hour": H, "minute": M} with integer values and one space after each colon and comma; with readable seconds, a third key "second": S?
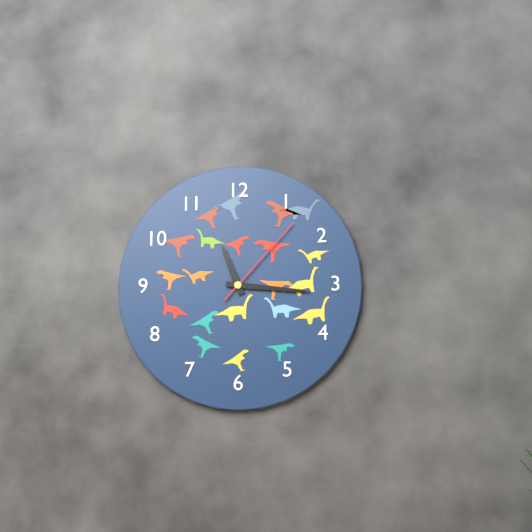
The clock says {"hour": 11, "minute": 16, "second": 7}
